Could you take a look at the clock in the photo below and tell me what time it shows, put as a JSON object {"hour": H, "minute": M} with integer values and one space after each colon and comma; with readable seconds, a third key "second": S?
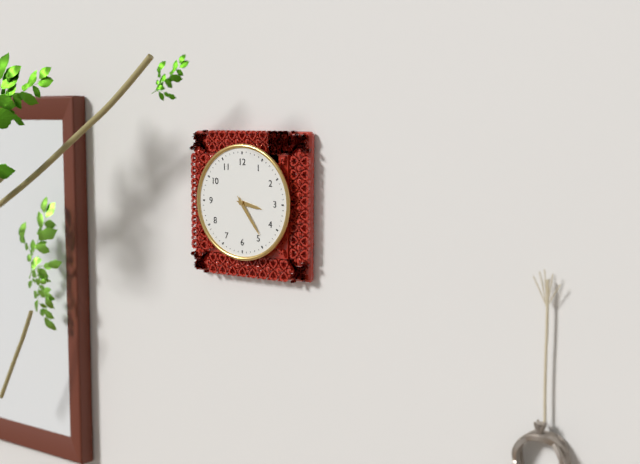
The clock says {"hour": 3, "minute": 24}
